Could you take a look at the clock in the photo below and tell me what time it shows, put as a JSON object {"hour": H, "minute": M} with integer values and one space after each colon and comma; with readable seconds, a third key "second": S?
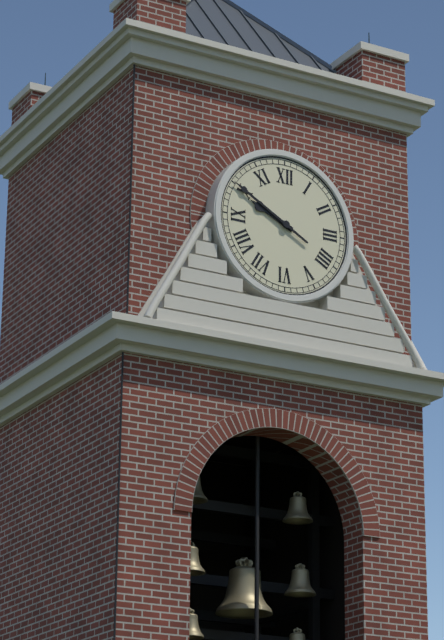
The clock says {"hour": 9, "minute": 50}
